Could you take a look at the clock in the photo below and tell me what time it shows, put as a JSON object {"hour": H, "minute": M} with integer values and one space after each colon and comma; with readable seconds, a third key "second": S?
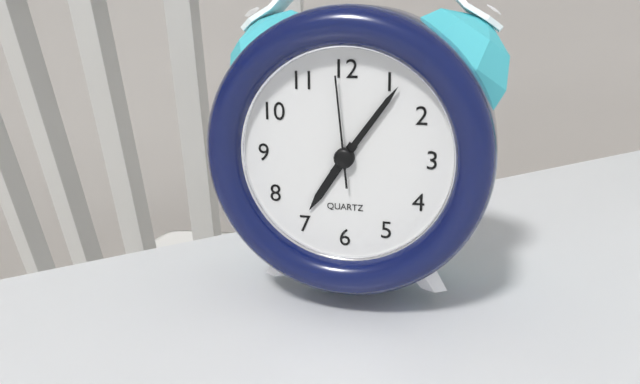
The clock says {"hour": 7, "minute": 6, "second": 59}
